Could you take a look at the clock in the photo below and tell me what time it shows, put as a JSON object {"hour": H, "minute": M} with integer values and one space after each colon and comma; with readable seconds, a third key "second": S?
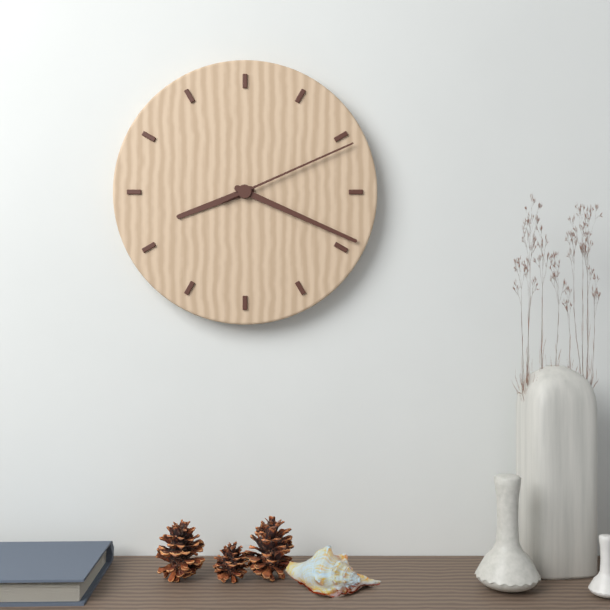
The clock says {"hour": 8, "minute": 19, "second": 11}
